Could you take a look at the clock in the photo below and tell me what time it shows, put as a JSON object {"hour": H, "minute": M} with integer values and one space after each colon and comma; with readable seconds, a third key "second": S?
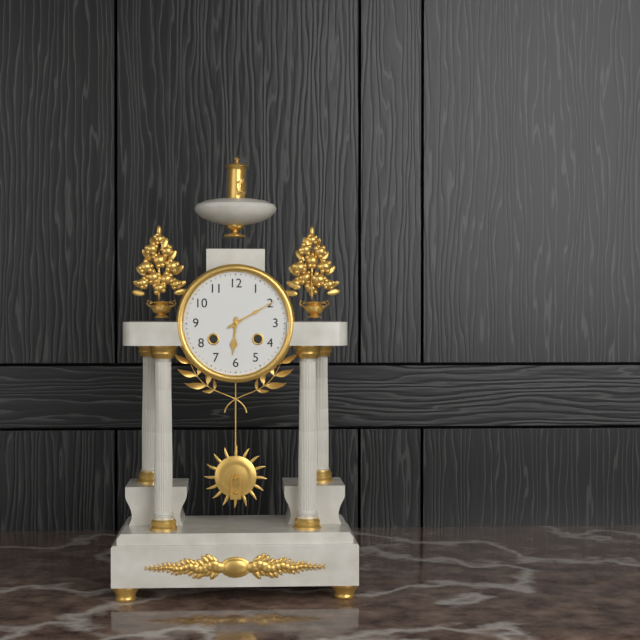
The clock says {"hour": 6, "minute": 10}
